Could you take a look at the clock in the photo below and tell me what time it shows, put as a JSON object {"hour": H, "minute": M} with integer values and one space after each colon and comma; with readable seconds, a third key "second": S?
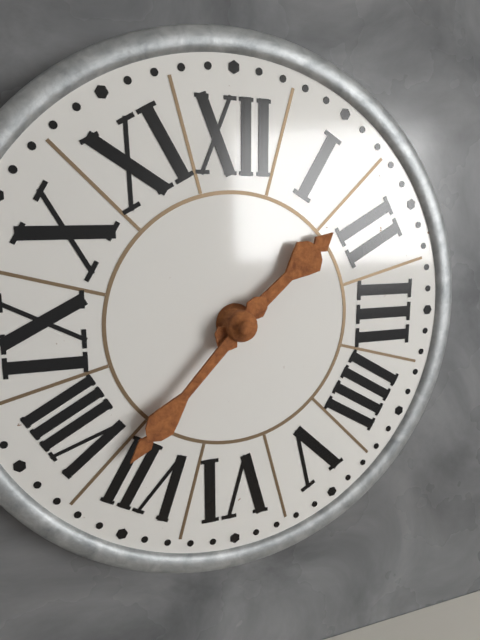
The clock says {"hour": 1, "minute": 37}
